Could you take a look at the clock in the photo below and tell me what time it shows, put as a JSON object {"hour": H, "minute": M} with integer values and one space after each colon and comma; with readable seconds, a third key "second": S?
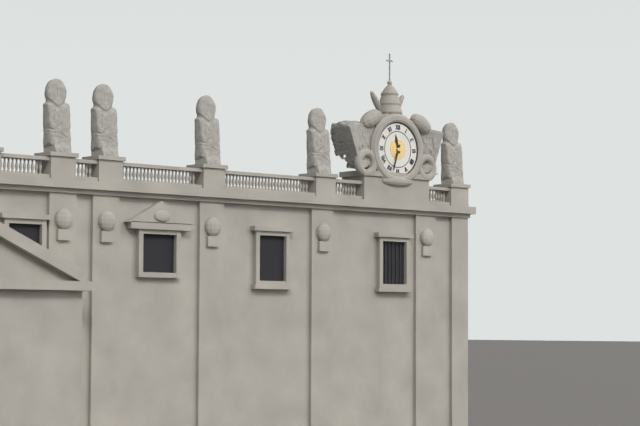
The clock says {"hour": 11, "minute": 33}
